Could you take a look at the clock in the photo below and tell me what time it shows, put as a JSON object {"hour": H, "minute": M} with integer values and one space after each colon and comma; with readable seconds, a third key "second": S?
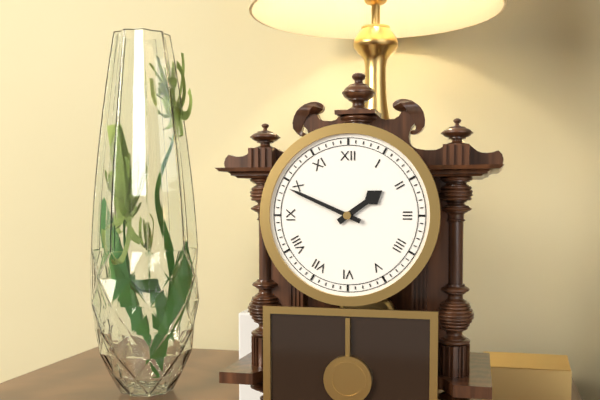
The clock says {"hour": 1, "minute": 49}
